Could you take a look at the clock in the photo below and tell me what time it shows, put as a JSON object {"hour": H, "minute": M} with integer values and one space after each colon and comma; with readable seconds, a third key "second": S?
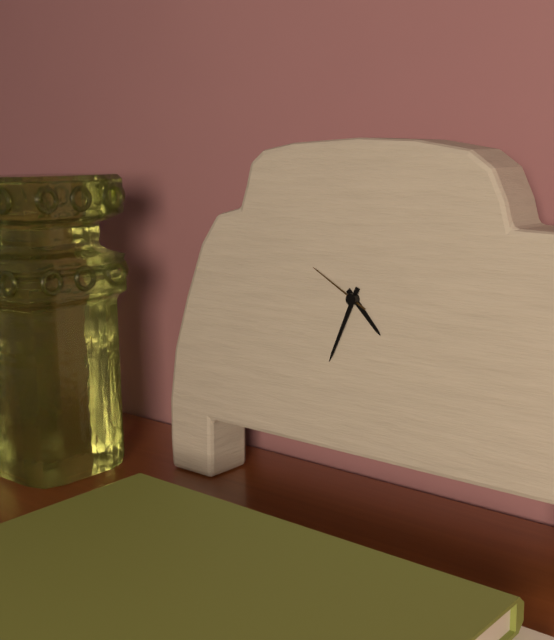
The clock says {"hour": 4, "minute": 34, "second": 50}
